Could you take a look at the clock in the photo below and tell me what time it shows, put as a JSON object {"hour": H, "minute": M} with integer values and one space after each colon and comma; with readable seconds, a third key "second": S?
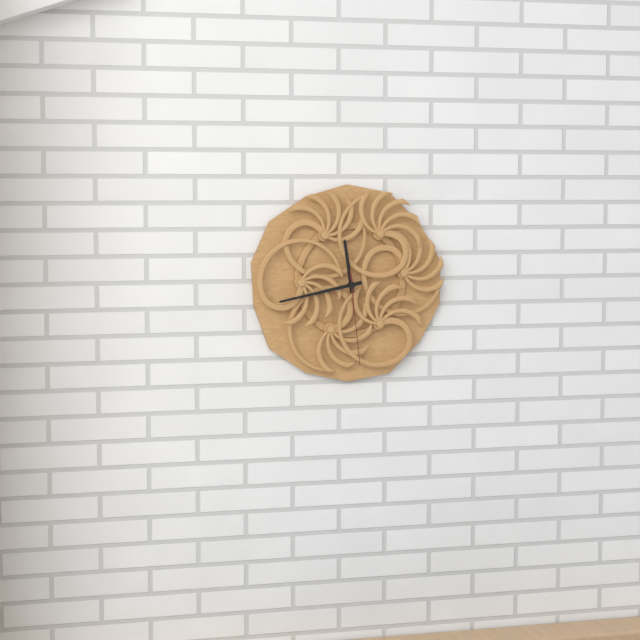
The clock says {"hour": 11, "minute": 43, "second": 29}
